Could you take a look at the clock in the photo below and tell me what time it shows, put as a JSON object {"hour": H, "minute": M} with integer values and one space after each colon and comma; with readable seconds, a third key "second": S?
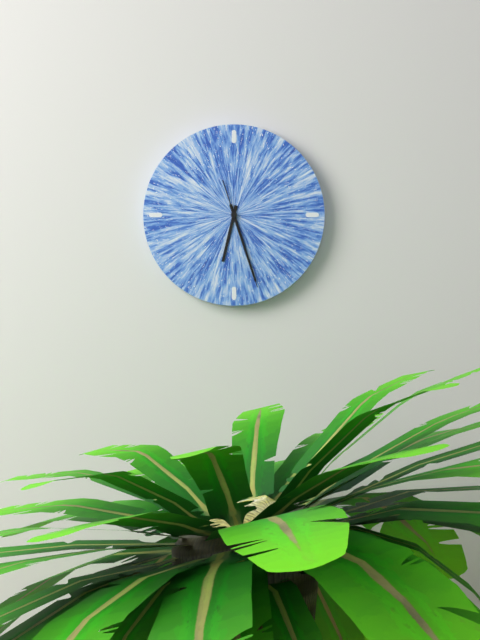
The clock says {"hour": 6, "minute": 27, "second": 27}
